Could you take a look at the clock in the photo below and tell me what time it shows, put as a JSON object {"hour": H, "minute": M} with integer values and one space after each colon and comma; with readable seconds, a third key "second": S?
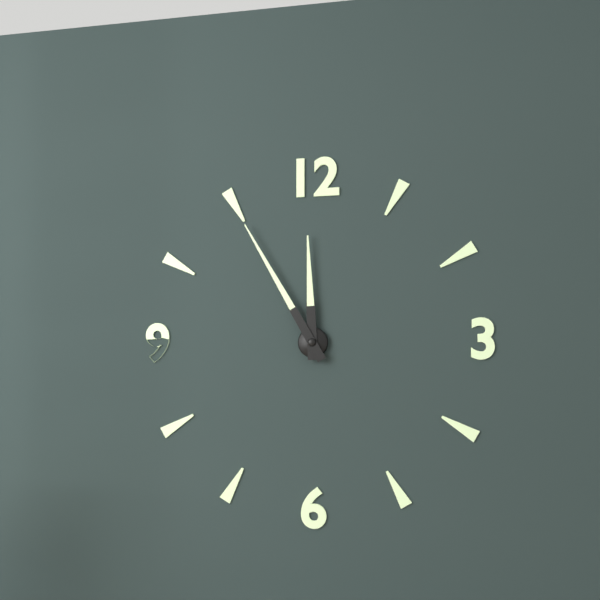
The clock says {"hour": 11, "minute": 55}
